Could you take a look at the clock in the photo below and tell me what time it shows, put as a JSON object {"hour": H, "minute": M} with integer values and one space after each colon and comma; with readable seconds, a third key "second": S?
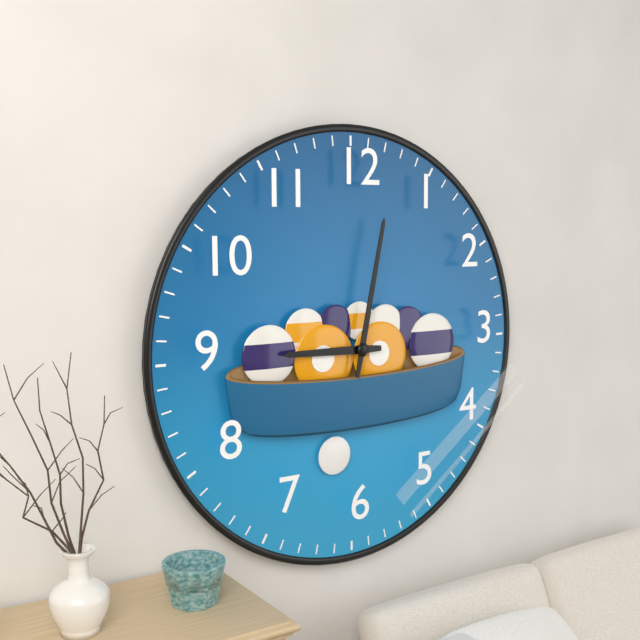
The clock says {"hour": 9, "minute": 2}
